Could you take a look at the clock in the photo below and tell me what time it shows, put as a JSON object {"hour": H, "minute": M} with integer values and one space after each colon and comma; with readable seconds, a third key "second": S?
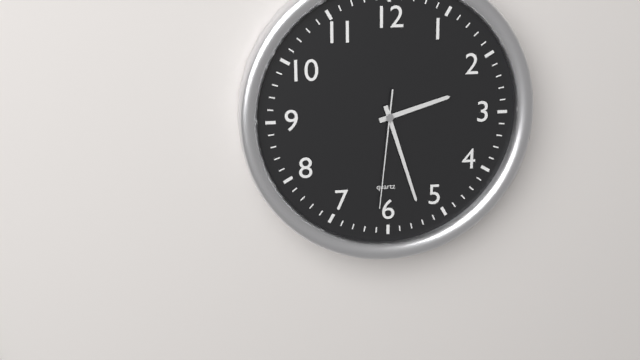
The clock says {"hour": 2, "minute": 27, "second": 31}
